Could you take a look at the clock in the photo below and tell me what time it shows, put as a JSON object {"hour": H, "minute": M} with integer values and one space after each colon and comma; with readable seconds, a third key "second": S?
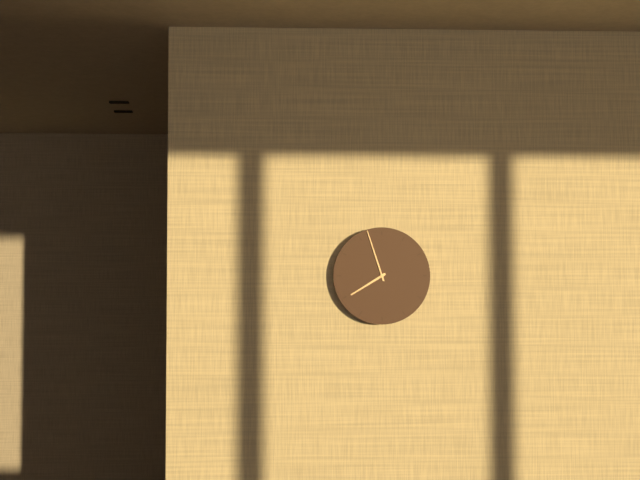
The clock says {"hour": 7, "minute": 57}
